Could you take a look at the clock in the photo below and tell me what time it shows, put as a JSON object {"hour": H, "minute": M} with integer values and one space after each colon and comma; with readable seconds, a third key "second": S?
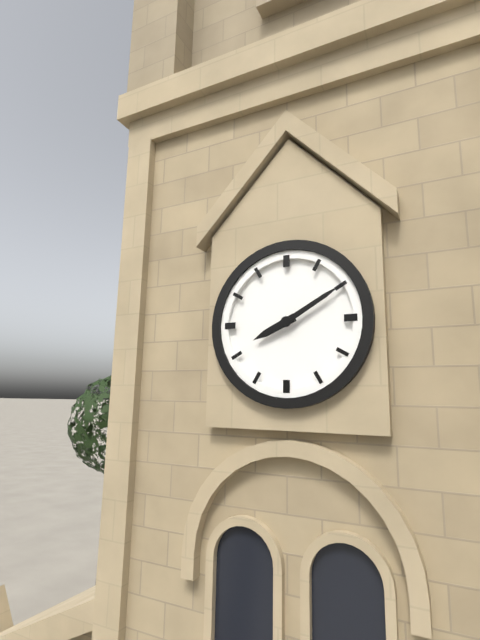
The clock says {"hour": 8, "minute": 10}
